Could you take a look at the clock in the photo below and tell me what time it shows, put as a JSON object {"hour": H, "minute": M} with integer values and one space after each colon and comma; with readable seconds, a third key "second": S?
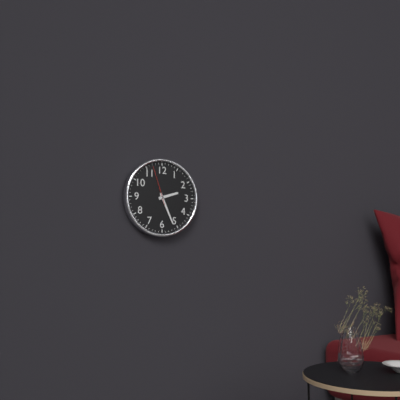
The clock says {"hour": 2, "minute": 26}
